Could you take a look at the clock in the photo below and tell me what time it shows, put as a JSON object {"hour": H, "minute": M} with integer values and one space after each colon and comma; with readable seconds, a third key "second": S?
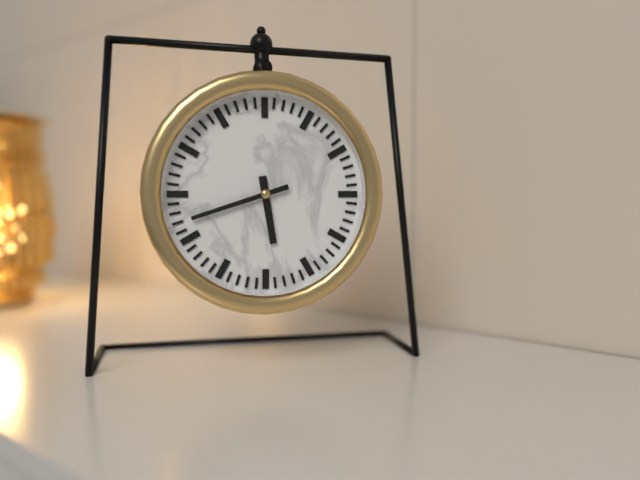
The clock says {"hour": 5, "minute": 42}
